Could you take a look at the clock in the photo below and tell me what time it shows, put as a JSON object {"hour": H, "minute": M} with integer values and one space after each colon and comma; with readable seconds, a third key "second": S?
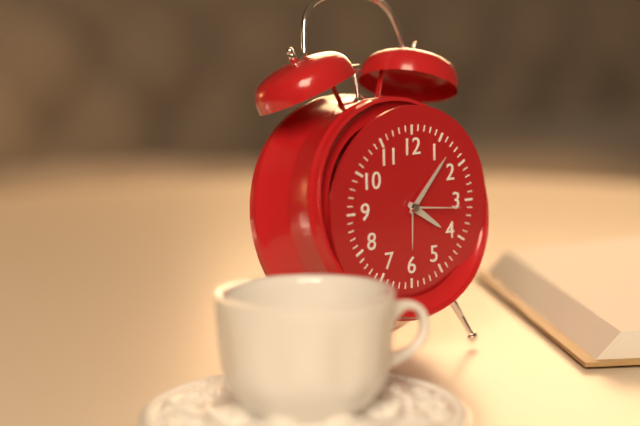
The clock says {"hour": 4, "minute": 7, "second": 16}
